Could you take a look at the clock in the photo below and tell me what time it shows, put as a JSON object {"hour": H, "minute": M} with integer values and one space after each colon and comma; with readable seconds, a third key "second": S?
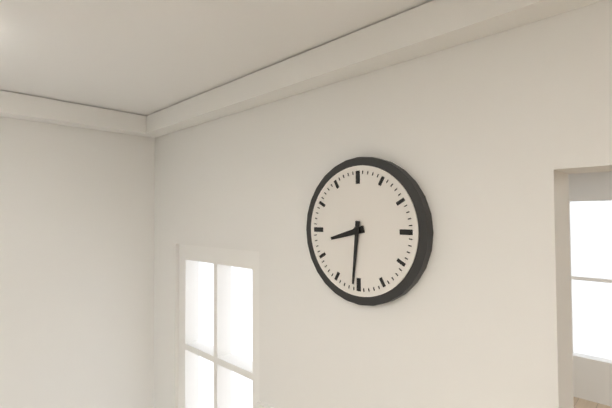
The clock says {"hour": 8, "minute": 31}
